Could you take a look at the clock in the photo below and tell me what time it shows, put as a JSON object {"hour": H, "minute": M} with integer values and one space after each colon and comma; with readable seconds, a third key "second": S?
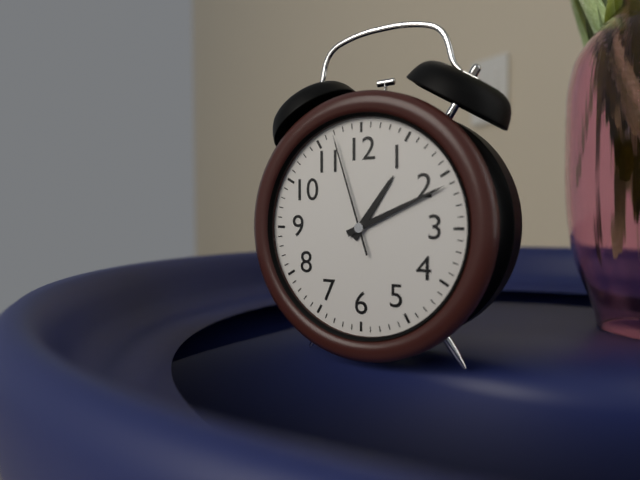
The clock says {"hour": 1, "minute": 11, "second": 57}
